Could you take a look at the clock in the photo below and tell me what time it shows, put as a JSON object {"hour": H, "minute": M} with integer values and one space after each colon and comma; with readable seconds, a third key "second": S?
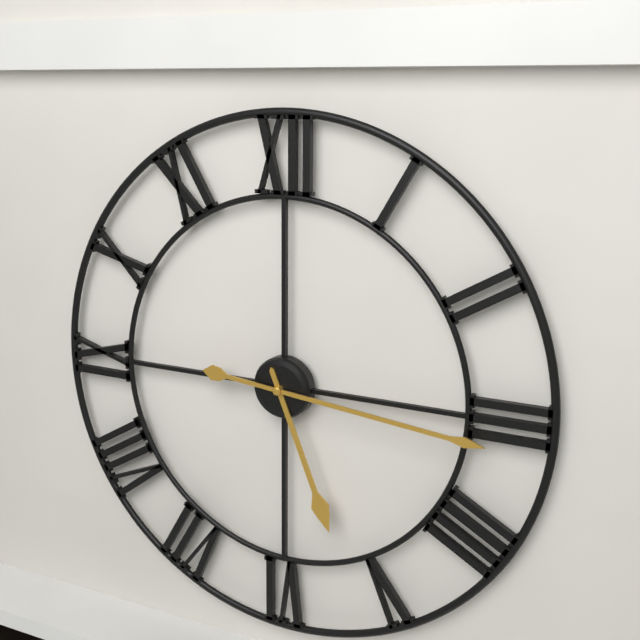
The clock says {"hour": 5, "minute": 16}
